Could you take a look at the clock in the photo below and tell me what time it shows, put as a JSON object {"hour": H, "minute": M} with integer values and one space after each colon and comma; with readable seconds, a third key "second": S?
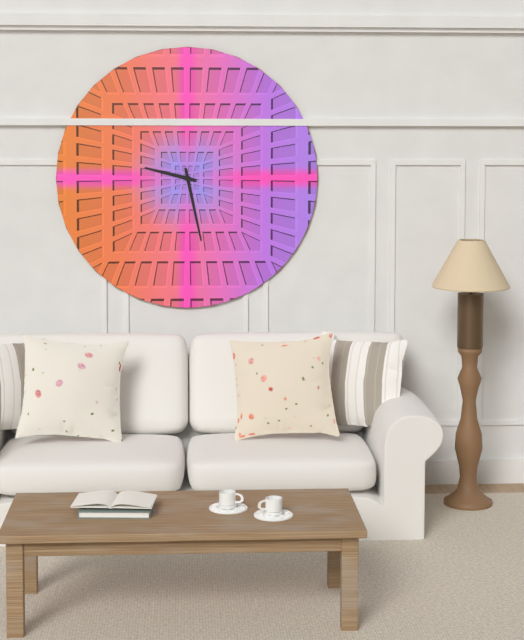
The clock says {"hour": 9, "minute": 28}
